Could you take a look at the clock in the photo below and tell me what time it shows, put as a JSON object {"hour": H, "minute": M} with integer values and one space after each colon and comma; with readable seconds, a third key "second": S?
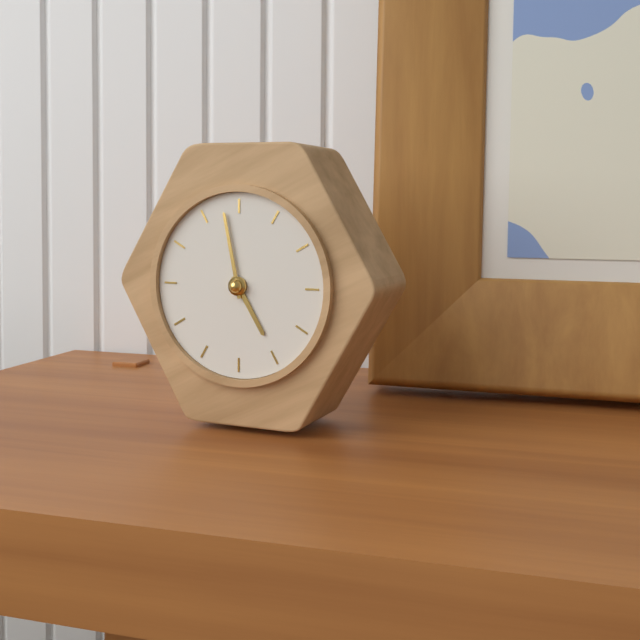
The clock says {"hour": 4, "minute": 58}
